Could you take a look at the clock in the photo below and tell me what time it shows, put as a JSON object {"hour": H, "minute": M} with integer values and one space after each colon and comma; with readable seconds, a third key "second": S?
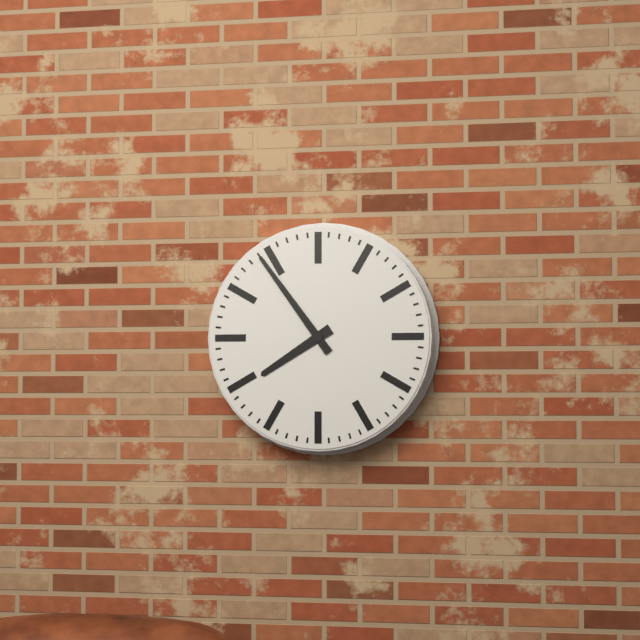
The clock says {"hour": 7, "minute": 54}
